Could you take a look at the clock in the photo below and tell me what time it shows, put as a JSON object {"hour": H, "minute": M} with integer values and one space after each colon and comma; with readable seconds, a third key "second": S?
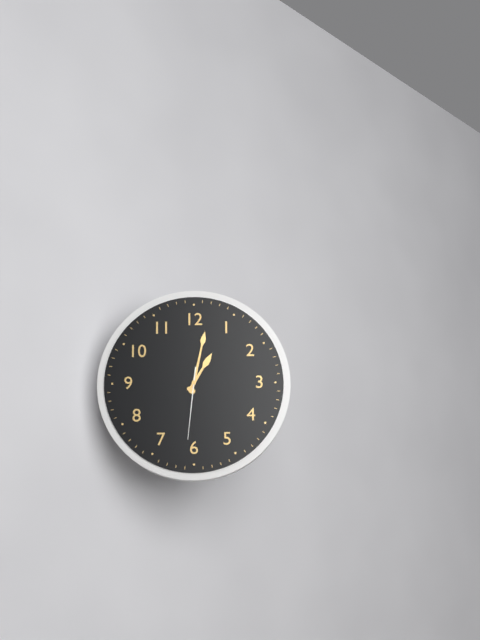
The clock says {"hour": 1, "minute": 2, "second": 31}
